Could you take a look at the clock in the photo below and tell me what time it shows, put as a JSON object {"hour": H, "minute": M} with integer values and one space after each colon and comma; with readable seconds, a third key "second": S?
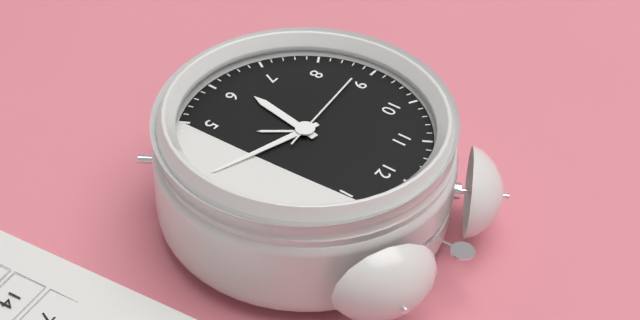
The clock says {"hour": 6, "minute": 18, "second": 44}
